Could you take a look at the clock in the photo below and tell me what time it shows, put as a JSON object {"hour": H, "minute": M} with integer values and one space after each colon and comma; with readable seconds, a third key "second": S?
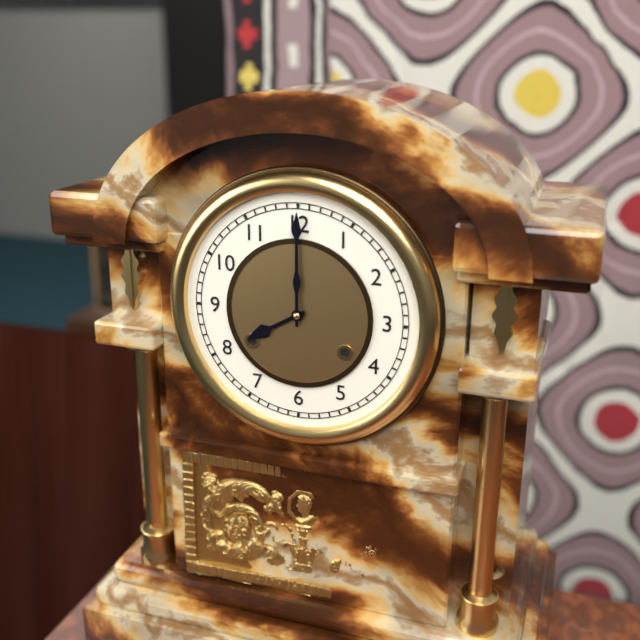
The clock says {"hour": 8, "minute": 0}
